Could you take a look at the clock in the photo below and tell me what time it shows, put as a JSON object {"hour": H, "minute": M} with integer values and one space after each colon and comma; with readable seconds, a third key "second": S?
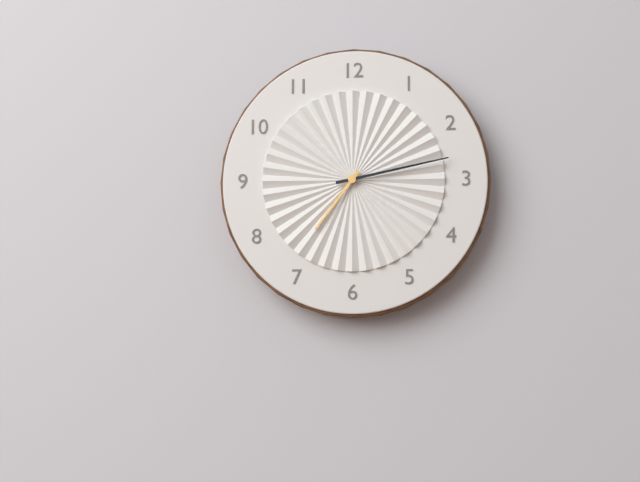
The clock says {"hour": 7, "minute": 13}
